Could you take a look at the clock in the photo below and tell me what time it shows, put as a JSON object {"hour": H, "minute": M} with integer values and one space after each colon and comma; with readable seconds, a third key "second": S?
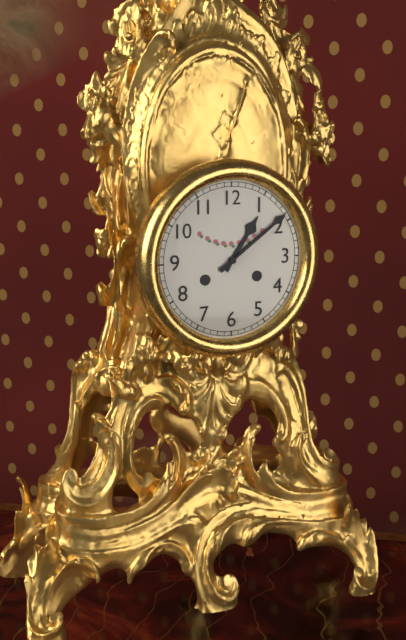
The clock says {"hour": 1, "minute": 9}
